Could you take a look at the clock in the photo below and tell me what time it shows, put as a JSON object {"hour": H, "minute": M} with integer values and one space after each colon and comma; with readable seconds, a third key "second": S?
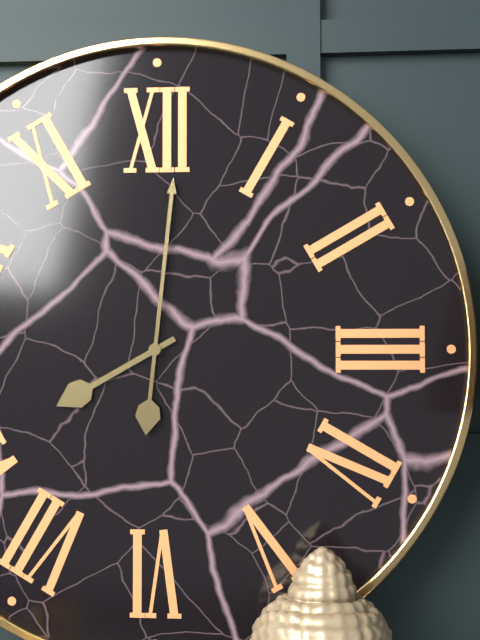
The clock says {"hour": 8, "minute": 1}
